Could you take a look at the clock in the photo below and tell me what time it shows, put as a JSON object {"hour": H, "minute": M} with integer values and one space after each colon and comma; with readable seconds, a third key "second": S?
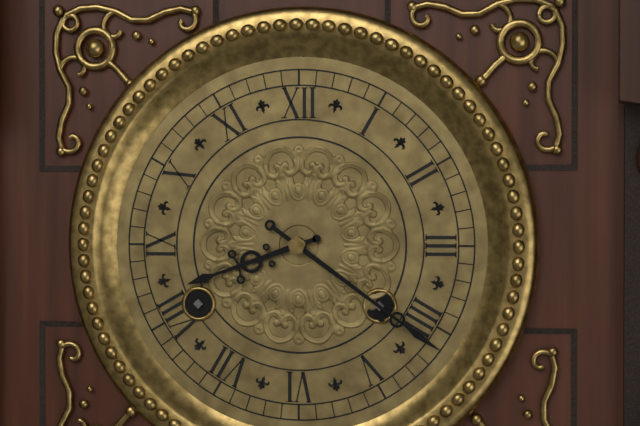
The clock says {"hour": 8, "minute": 21}
